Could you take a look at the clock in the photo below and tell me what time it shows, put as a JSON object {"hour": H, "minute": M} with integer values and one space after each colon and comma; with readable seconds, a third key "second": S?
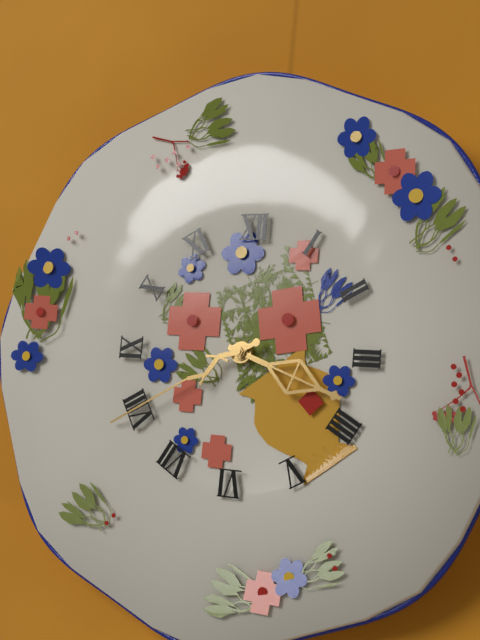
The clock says {"hour": 3, "minute": 40}
